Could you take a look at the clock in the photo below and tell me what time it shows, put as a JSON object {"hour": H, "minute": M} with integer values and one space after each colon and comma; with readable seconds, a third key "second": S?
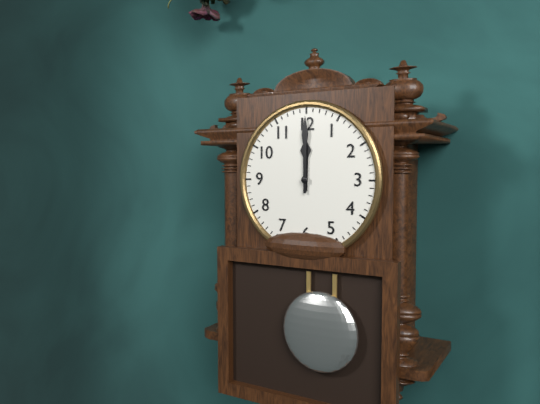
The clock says {"hour": 12, "minute": 0}
